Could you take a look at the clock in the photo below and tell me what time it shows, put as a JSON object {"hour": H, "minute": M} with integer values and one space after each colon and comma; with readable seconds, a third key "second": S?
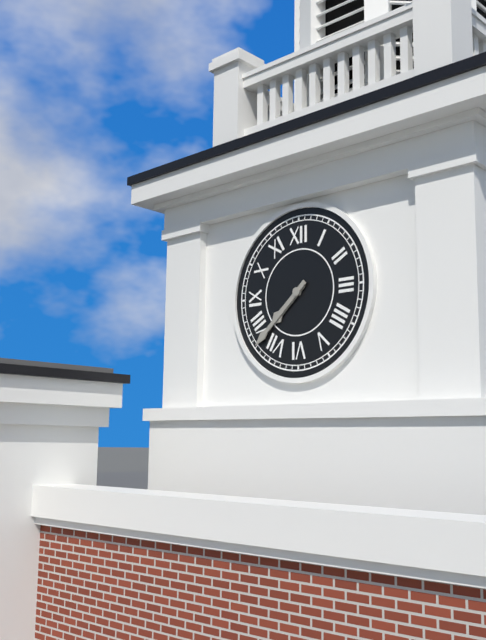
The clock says {"hour": 7, "minute": 38}
